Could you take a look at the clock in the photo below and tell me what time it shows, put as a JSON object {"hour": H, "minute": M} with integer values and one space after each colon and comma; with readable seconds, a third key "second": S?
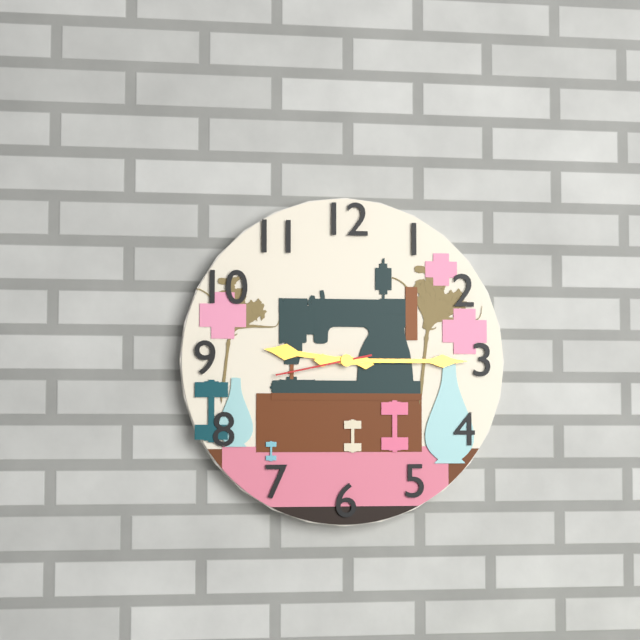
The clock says {"hour": 9, "minute": 15, "second": 43}
